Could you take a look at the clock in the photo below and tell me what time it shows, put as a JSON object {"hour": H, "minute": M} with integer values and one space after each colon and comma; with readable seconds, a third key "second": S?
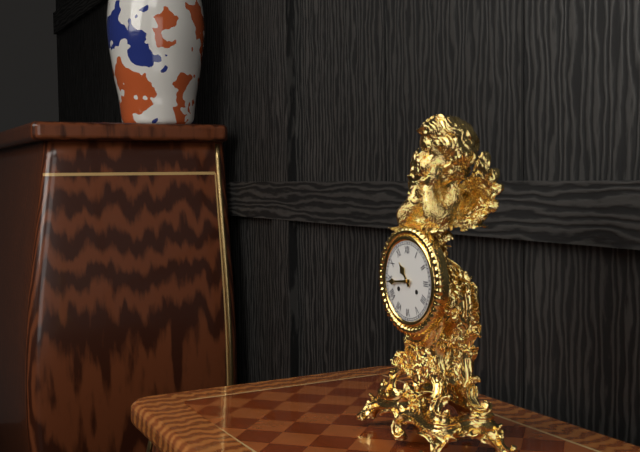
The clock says {"hour": 10, "minute": 44}
